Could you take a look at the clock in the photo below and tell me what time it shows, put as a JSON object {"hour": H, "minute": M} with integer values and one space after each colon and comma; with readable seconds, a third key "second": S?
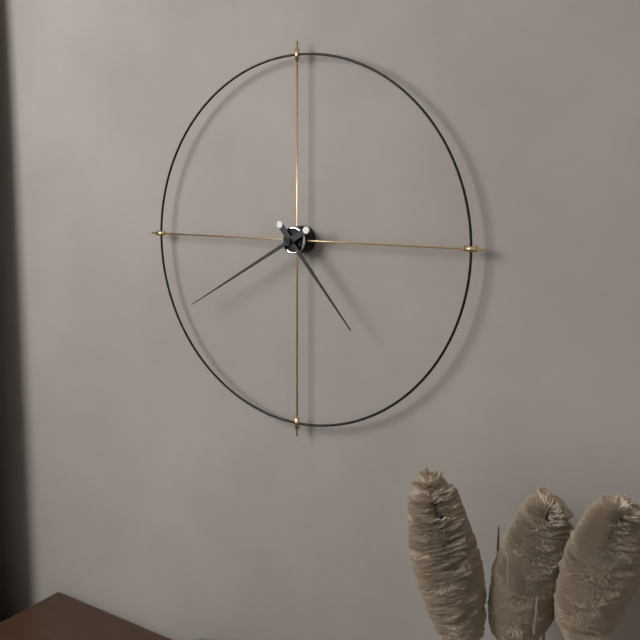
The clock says {"hour": 4, "minute": 40}
